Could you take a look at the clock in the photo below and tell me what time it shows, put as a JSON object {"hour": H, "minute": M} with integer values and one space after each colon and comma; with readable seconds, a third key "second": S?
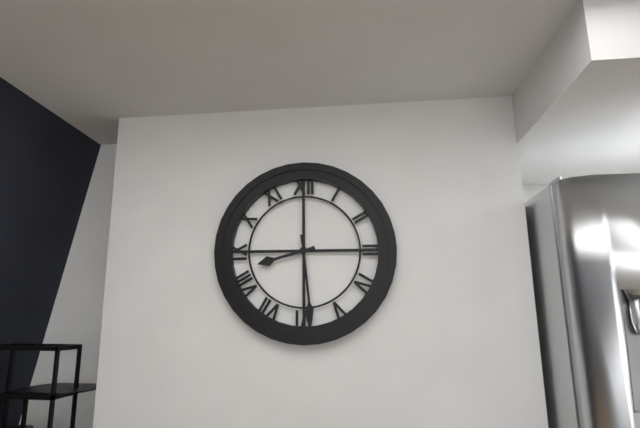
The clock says {"hour": 8, "minute": 29}
